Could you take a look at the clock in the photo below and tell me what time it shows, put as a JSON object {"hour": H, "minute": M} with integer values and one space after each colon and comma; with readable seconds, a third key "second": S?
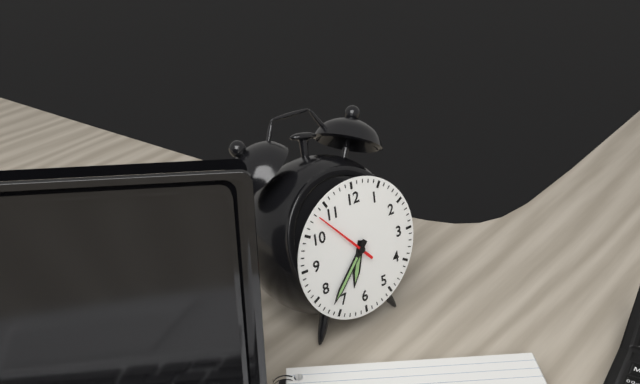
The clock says {"hour": 6, "minute": 37, "second": 53}
